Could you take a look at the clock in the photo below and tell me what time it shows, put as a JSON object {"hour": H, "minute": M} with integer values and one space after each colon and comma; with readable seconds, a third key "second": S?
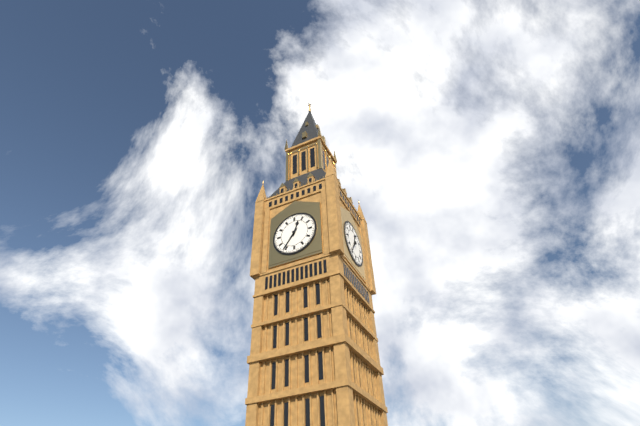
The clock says {"hour": 12, "minute": 36}
